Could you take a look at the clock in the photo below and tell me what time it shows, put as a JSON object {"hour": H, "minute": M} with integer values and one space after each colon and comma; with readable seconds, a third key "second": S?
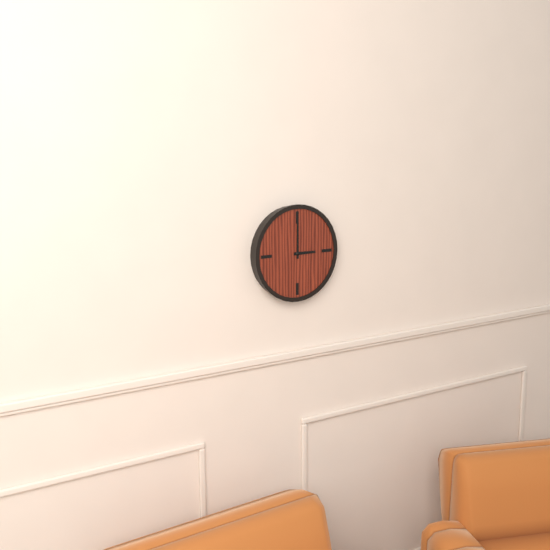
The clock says {"hour": 3, "minute": 0}
